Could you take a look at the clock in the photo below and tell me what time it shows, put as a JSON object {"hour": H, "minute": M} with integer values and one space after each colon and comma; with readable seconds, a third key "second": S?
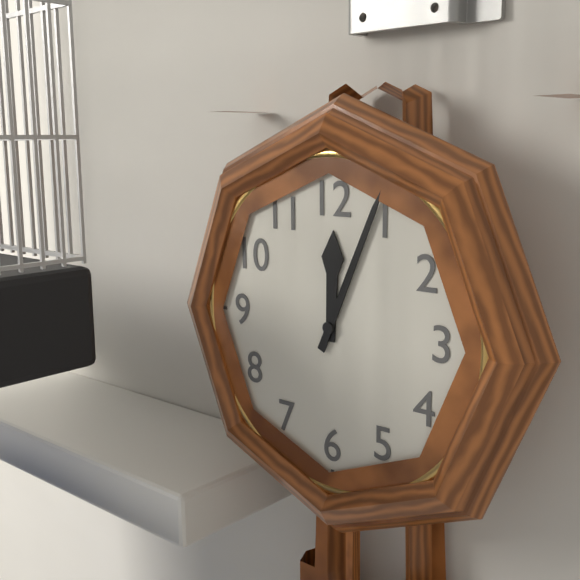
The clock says {"hour": 12, "minute": 4}
